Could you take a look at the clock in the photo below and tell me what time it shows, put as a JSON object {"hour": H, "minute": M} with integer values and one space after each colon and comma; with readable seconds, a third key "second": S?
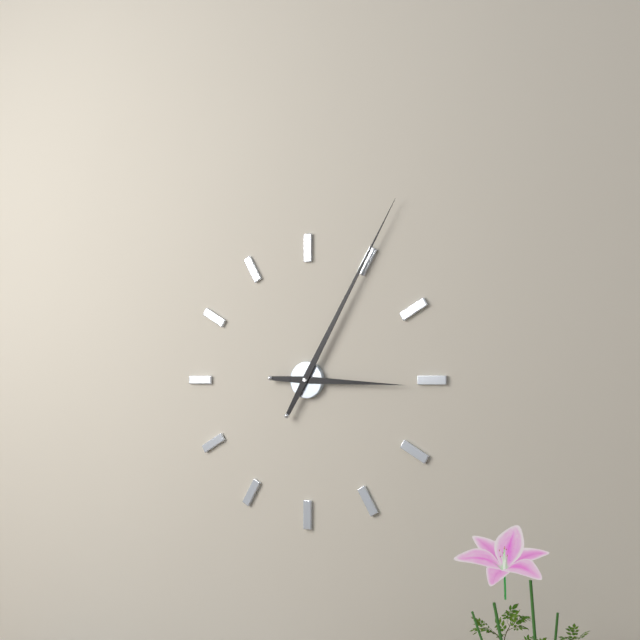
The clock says {"hour": 3, "minute": 5}
